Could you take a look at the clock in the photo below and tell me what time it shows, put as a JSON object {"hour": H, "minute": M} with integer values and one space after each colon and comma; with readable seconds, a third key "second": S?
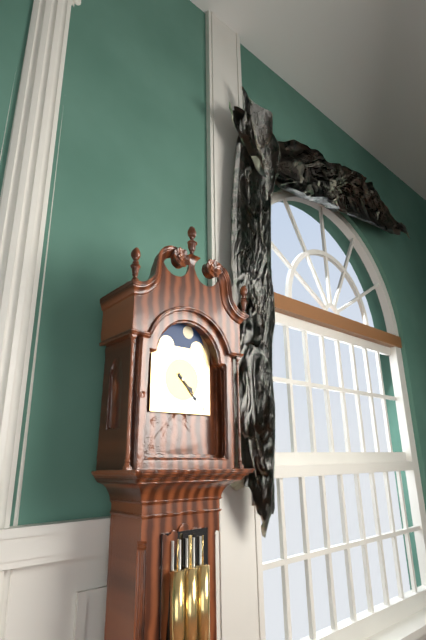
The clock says {"hour": 4, "minute": 23}
